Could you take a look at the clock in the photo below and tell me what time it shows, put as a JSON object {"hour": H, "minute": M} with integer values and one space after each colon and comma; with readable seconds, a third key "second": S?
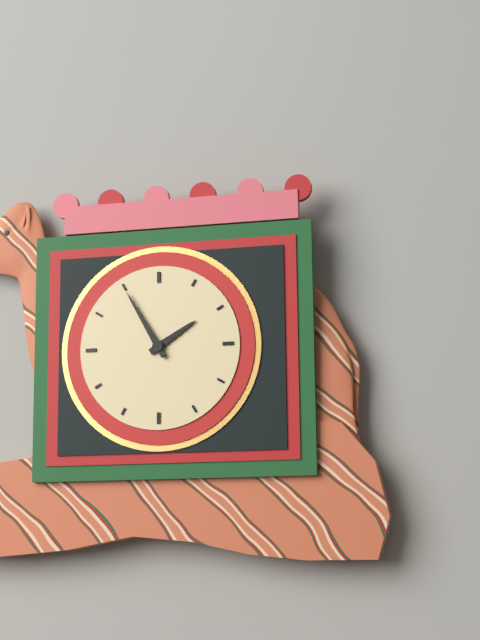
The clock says {"hour": 1, "minute": 55}
